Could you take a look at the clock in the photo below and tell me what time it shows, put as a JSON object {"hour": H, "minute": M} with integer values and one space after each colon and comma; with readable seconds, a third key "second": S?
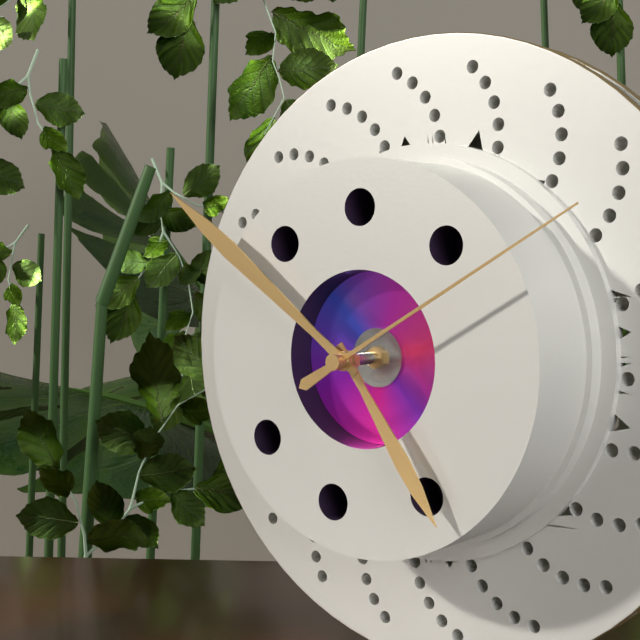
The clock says {"hour": 4, "minute": 51, "second": 10}
